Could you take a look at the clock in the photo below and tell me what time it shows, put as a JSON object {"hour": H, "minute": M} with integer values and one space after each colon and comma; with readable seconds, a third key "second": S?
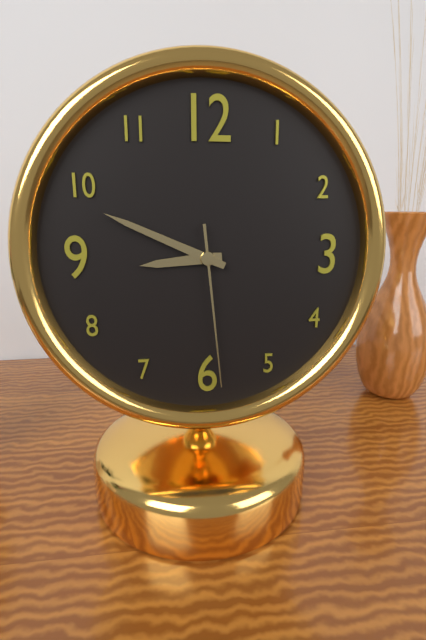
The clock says {"hour": 8, "minute": 49, "second": 29}
